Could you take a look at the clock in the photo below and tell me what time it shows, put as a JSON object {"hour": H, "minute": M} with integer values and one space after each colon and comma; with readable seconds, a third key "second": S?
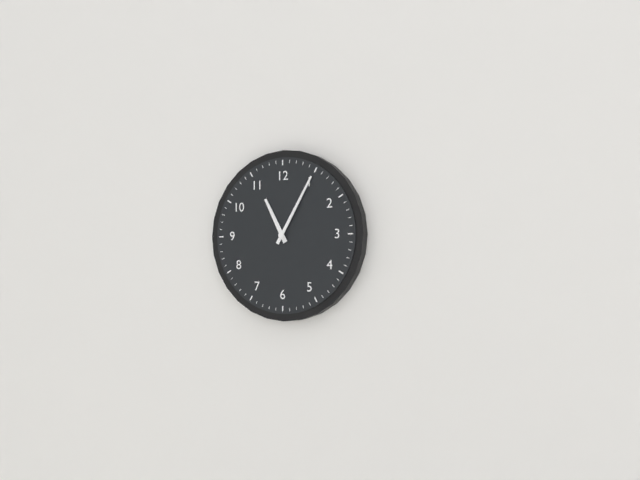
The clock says {"hour": 11, "minute": 5}
